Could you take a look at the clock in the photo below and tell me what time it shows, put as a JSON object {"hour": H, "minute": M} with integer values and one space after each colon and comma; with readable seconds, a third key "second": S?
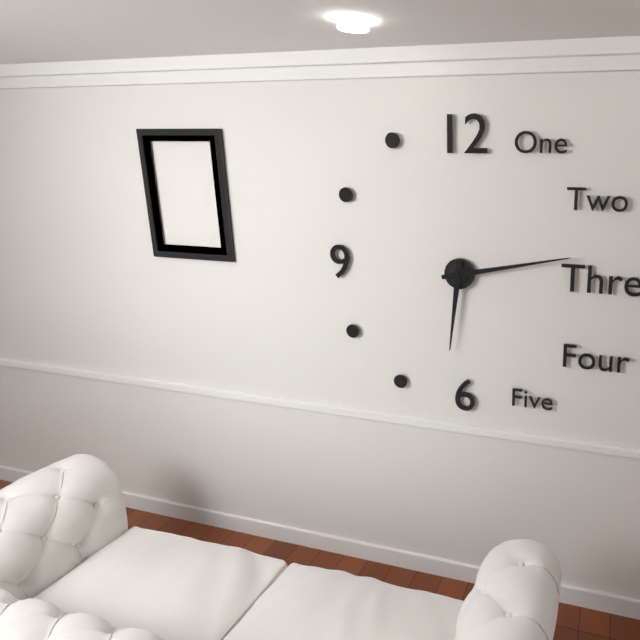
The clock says {"hour": 6, "minute": 13}
